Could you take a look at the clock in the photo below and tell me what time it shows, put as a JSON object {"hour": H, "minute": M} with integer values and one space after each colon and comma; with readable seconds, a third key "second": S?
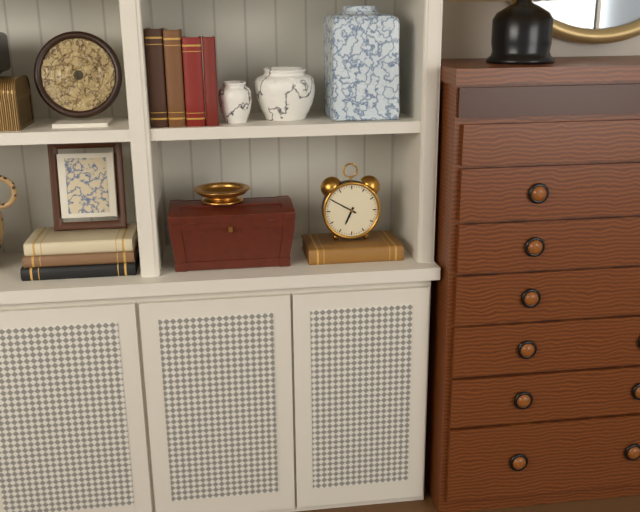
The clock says {"hour": 6, "minute": 50}
